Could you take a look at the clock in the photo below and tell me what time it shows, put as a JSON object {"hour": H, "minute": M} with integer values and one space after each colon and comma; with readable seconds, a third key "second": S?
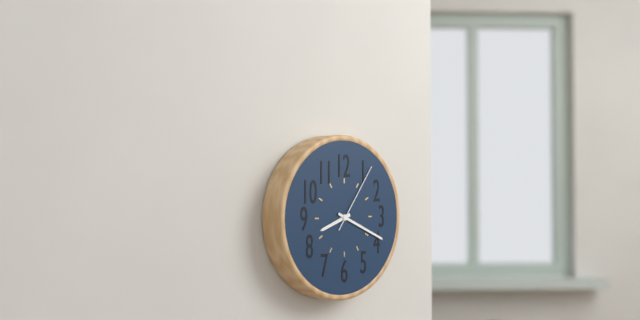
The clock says {"hour": 8, "minute": 19, "second": 6}
